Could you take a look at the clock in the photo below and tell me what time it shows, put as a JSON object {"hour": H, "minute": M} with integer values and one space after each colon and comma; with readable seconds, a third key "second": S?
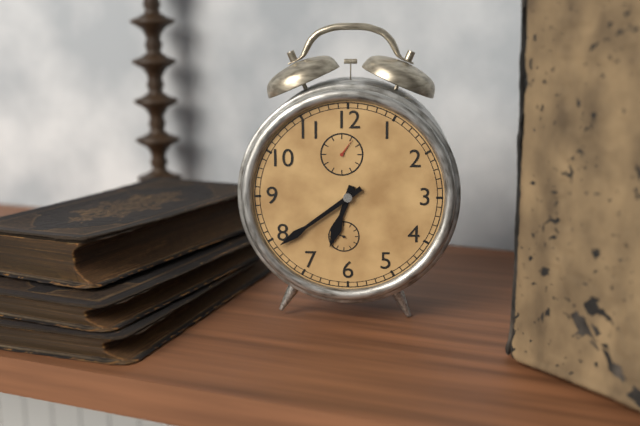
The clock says {"hour": 6, "minute": 39}
